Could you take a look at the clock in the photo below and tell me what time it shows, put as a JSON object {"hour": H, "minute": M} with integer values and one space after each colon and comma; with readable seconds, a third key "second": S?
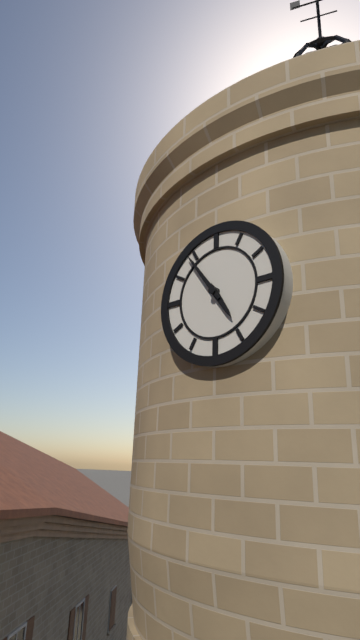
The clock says {"hour": 4, "minute": 54}
